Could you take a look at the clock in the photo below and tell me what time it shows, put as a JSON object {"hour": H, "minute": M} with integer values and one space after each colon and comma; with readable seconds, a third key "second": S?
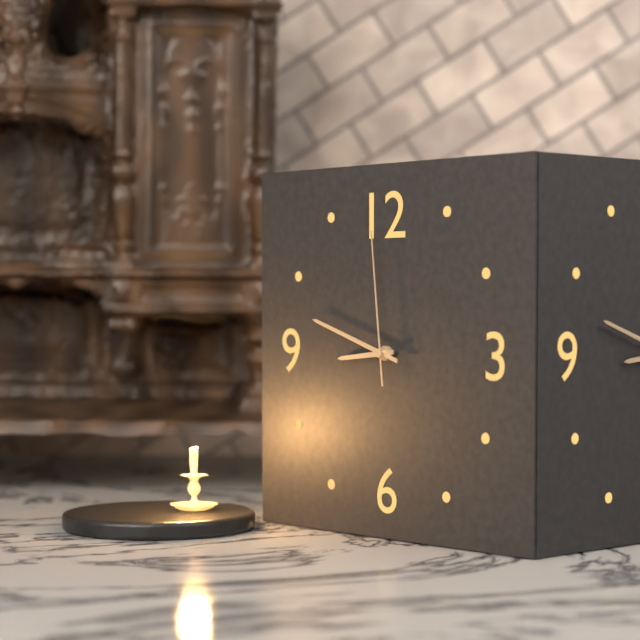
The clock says {"hour": 8, "minute": 48, "second": 59}
